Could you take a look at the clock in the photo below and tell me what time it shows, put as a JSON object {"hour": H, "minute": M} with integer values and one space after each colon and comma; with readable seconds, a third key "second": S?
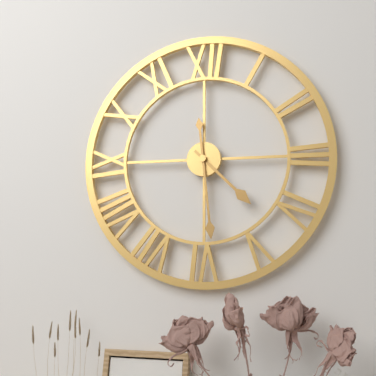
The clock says {"hour": 4, "minute": 29}
